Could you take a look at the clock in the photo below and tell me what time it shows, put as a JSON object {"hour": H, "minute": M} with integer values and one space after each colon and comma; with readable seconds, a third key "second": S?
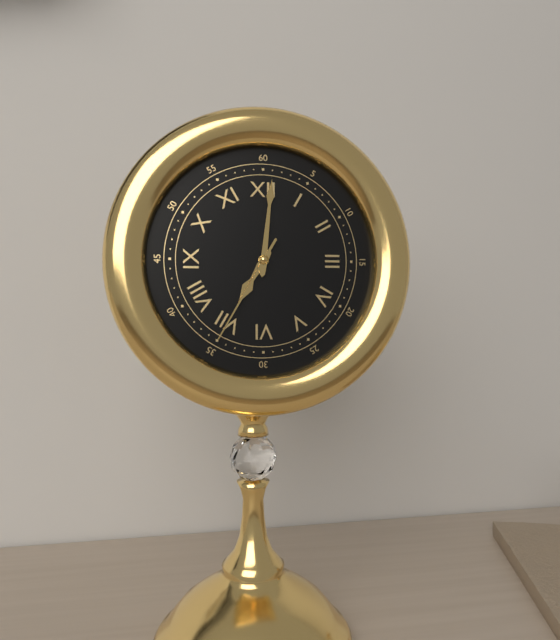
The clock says {"hour": 7, "minute": 1, "second": 35}
